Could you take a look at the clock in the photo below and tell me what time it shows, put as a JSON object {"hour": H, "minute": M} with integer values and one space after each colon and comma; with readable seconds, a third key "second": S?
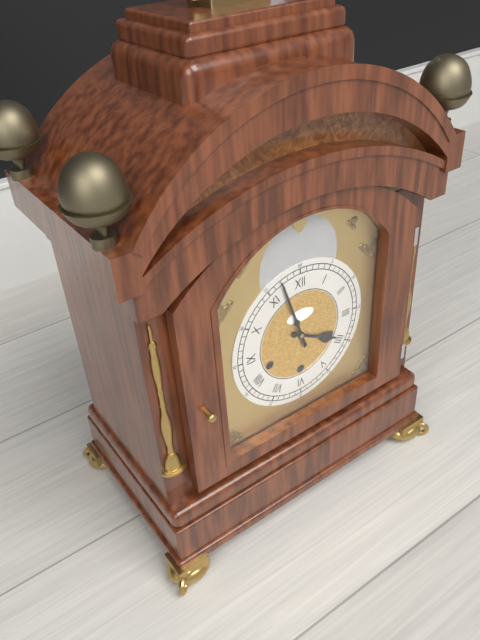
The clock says {"hour": 3, "minute": 57}
